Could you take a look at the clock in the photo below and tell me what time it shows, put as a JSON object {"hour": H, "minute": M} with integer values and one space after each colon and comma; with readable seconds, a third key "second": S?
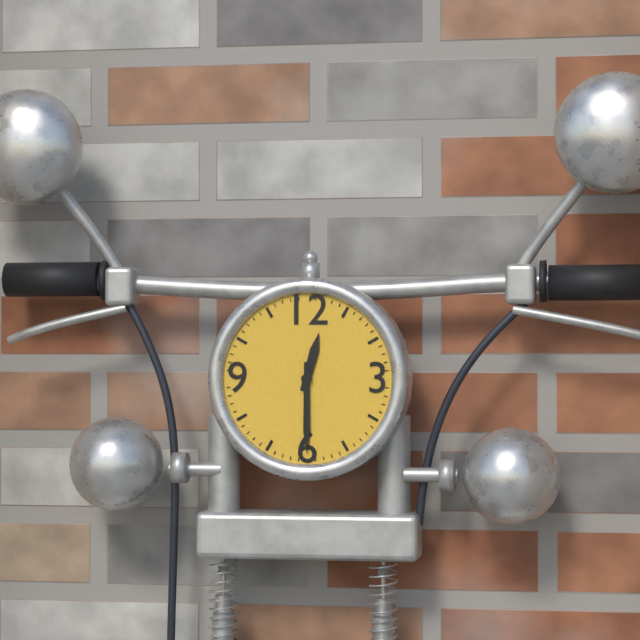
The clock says {"hour": 12, "minute": 30}
